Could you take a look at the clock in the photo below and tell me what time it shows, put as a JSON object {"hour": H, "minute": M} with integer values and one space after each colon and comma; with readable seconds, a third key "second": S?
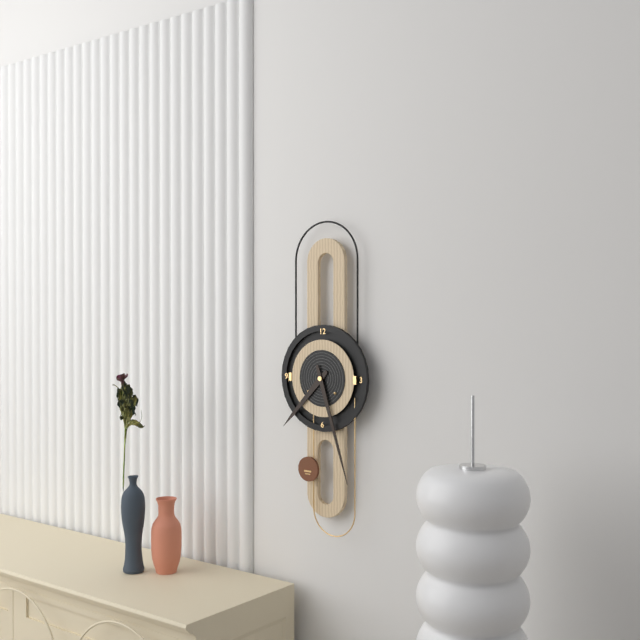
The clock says {"hour": 7, "minute": 27}
